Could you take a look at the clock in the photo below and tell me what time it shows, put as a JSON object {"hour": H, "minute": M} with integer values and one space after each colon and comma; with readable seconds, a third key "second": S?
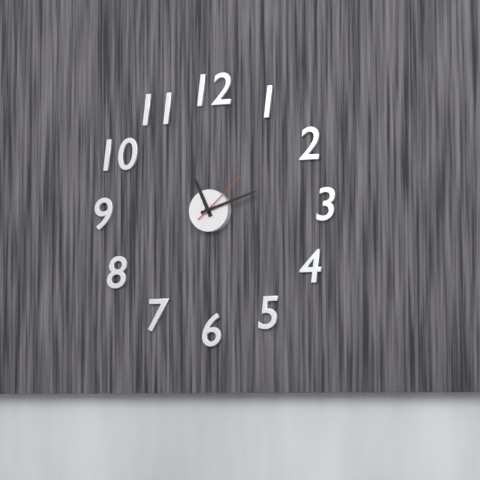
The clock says {"hour": 11, "minute": 12, "second": 8}
